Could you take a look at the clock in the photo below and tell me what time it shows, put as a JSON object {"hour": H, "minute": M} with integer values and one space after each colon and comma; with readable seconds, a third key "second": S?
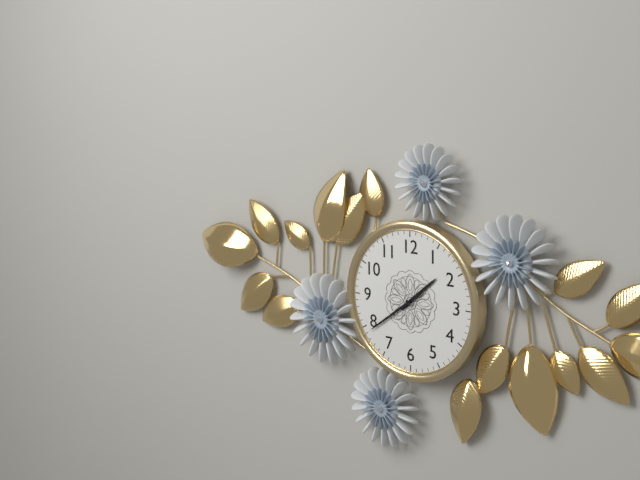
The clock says {"hour": 1, "minute": 39}
